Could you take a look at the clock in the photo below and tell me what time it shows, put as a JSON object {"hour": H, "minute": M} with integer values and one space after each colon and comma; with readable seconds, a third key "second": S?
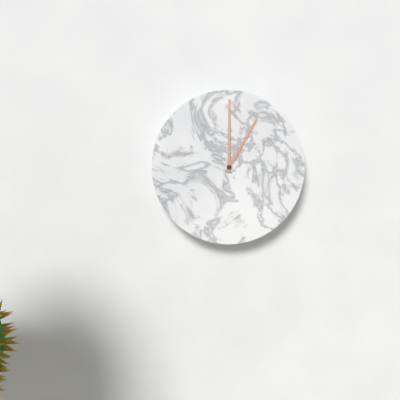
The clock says {"hour": 1, "minute": 0}
